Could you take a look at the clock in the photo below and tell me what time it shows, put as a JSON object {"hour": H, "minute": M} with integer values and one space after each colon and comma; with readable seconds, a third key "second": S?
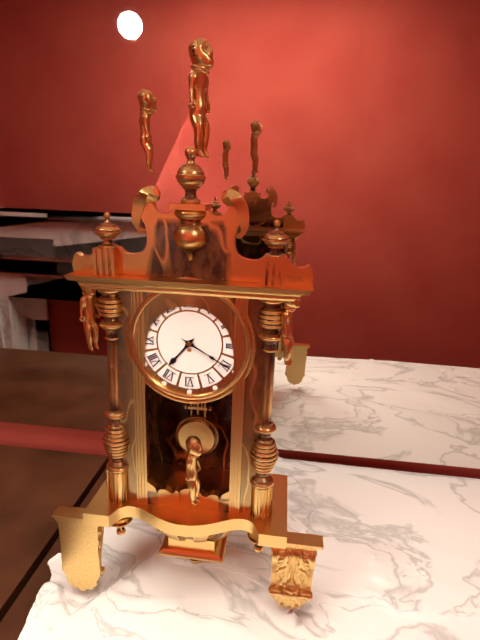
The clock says {"hour": 7, "minute": 20}
